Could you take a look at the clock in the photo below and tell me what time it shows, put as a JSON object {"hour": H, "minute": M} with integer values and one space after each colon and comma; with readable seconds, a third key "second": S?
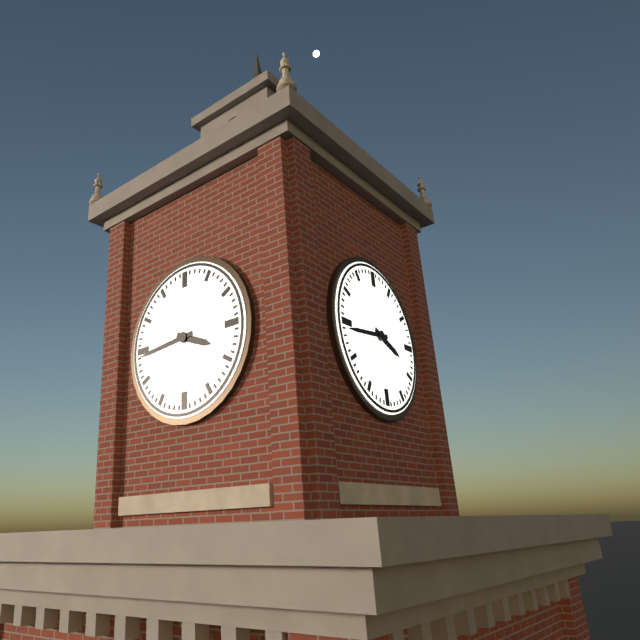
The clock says {"hour": 3, "minute": 44}
